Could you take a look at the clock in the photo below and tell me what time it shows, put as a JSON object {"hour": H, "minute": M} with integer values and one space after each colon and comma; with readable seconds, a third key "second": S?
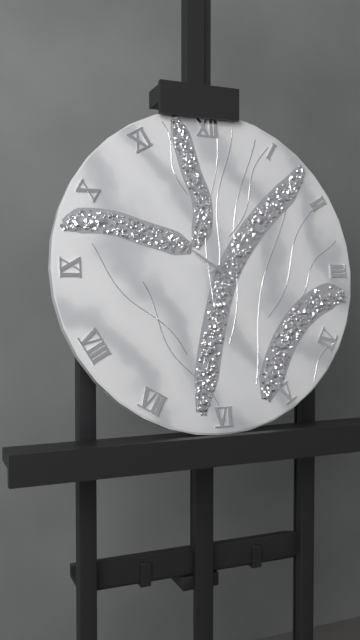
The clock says {"hour": 10, "minute": 9}
